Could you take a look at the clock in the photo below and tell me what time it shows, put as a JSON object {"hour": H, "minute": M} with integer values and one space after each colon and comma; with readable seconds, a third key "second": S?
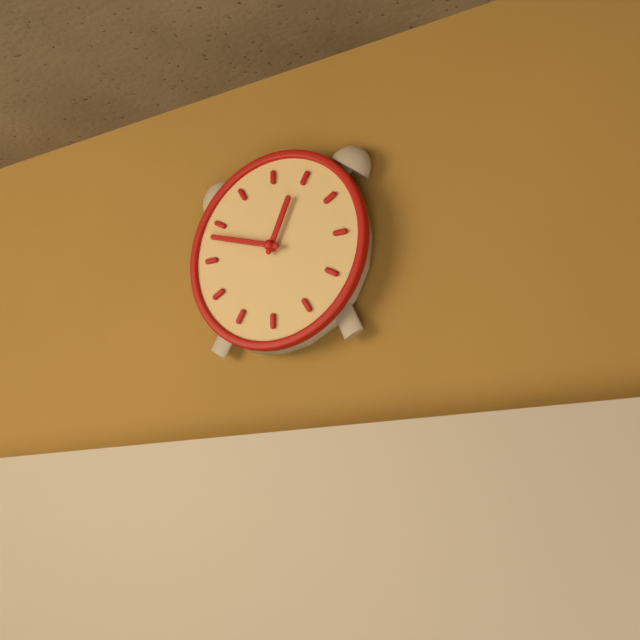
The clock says {"hour": 12, "minute": 48}
